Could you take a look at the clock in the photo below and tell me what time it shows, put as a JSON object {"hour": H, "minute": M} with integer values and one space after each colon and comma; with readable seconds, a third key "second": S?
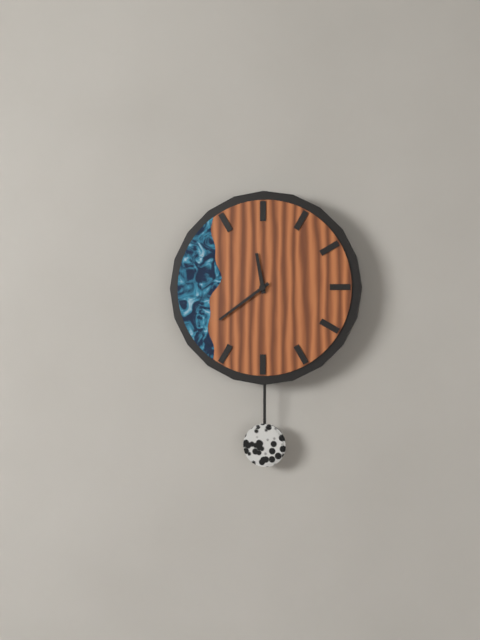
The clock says {"hour": 11, "minute": 39}
